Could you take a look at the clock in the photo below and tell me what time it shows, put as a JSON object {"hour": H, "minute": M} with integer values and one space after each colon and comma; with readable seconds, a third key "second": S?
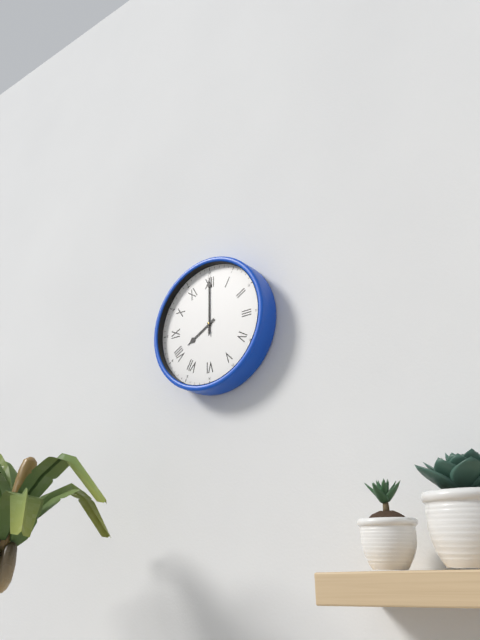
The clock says {"hour": 8, "minute": 0, "second": 0}
